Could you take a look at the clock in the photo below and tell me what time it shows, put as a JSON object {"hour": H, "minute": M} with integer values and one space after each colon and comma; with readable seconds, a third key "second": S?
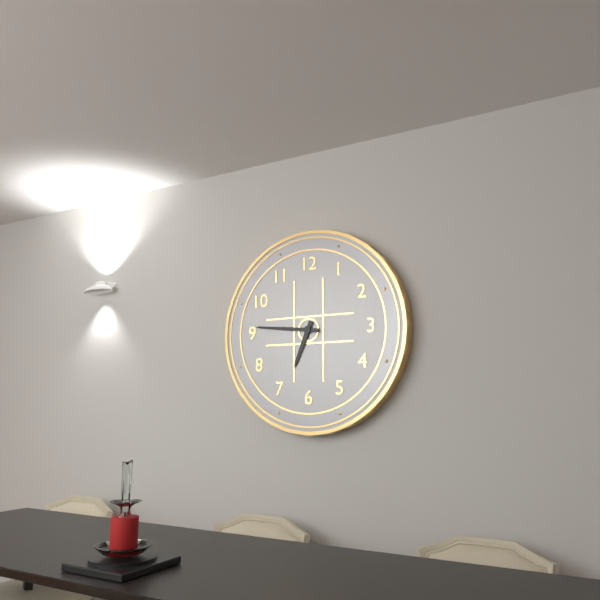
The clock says {"hour": 6, "minute": 46}
